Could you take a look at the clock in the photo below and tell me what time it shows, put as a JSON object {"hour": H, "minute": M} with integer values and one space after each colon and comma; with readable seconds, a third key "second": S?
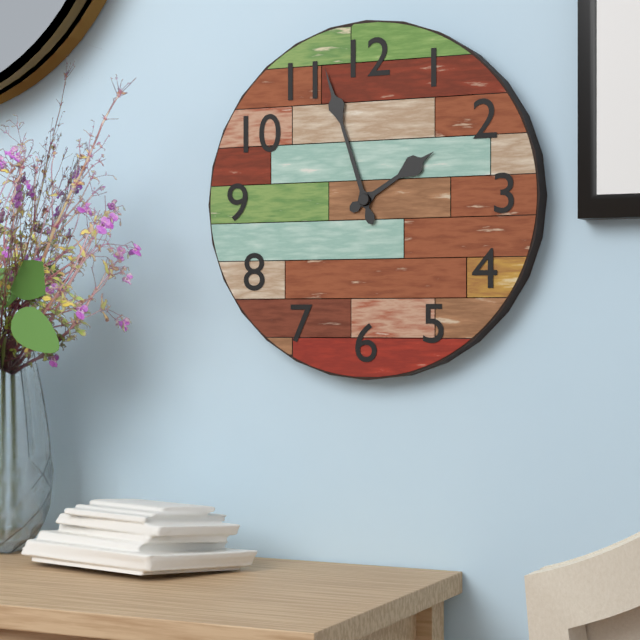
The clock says {"hour": 1, "minute": 57}
